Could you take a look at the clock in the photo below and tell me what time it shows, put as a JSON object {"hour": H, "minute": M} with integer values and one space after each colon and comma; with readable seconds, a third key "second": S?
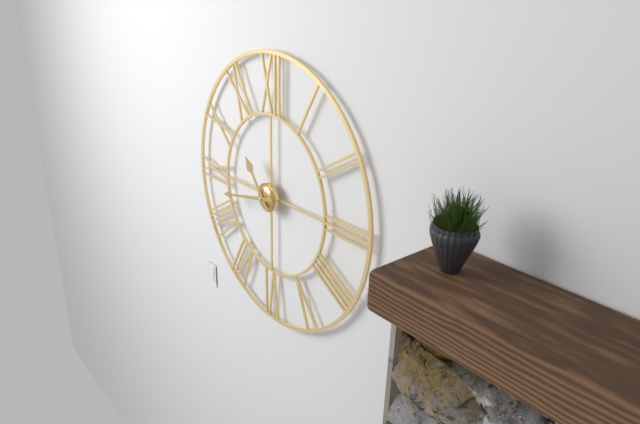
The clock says {"hour": 10, "minute": 43}
